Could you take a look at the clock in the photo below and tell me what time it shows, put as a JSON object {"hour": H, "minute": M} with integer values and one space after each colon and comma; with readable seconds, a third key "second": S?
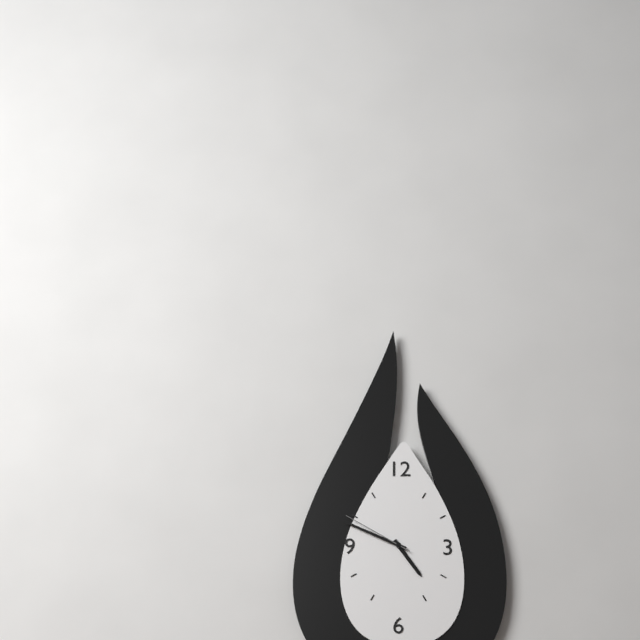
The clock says {"hour": 4, "minute": 49, "second": 50}
